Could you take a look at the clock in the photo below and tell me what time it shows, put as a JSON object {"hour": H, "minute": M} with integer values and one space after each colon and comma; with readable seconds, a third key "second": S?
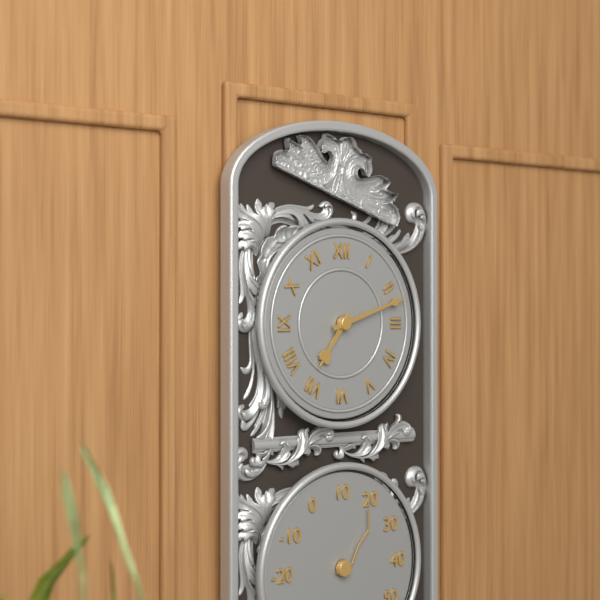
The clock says {"hour": 7, "minute": 12}
